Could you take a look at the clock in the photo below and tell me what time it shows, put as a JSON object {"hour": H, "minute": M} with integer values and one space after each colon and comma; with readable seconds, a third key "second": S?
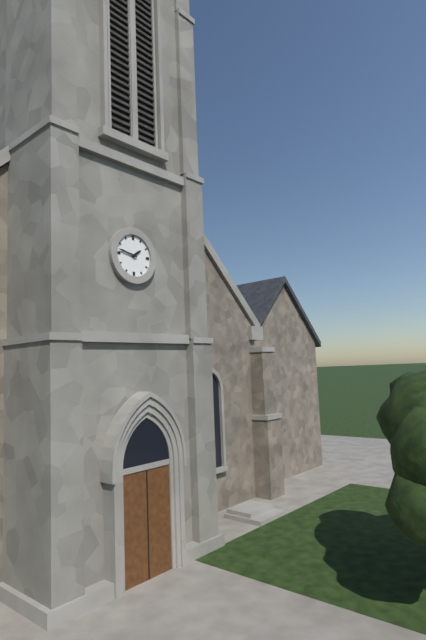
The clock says {"hour": 1, "minute": 47}
